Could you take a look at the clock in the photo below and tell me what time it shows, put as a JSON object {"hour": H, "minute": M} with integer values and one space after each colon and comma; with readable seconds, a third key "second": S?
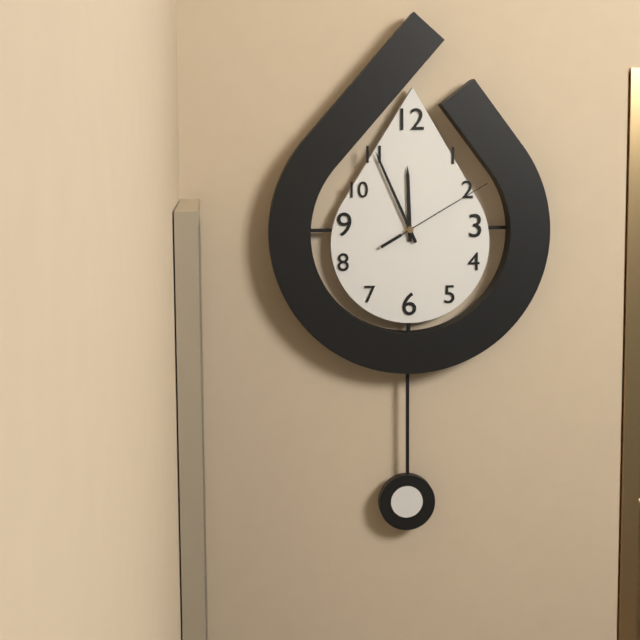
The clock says {"hour": 11, "minute": 56, "second": 10}
